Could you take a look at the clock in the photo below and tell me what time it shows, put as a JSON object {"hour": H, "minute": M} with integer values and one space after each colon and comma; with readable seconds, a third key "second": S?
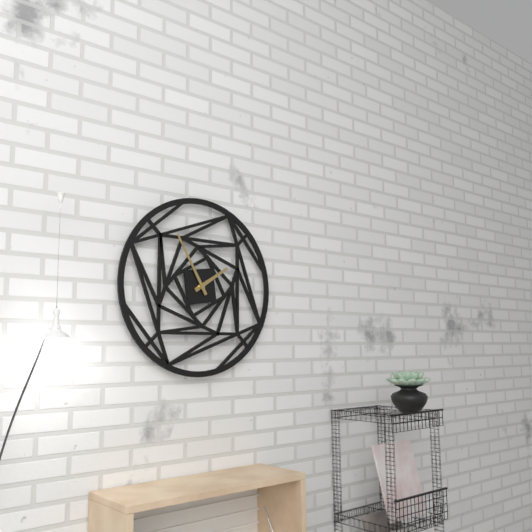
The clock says {"hour": 1, "minute": 55}
